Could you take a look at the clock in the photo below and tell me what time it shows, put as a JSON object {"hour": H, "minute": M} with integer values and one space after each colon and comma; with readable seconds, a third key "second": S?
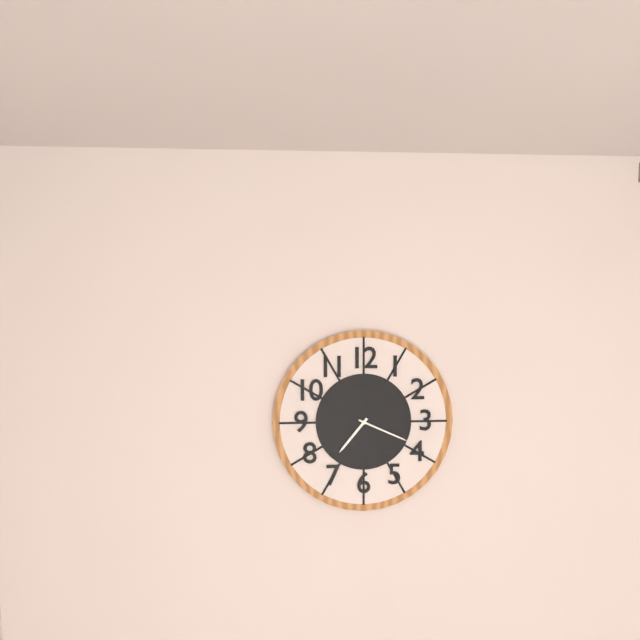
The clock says {"hour": 7, "minute": 19}
